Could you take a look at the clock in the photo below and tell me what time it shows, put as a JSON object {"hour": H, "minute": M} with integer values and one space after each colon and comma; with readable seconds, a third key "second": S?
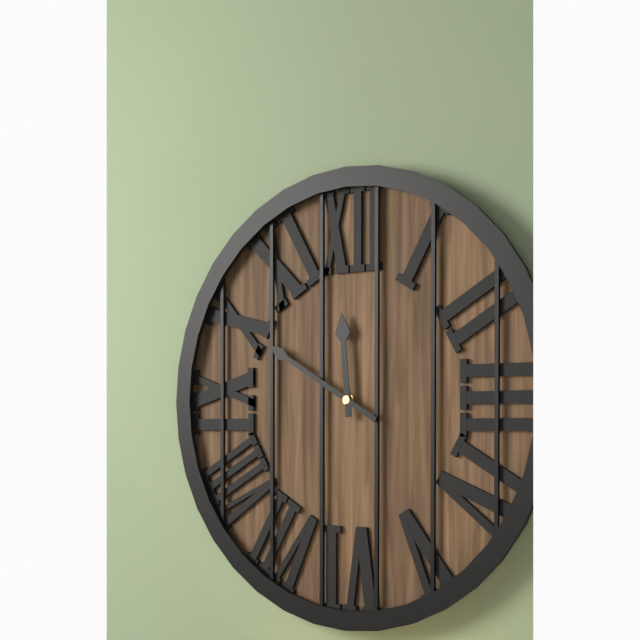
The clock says {"hour": 11, "minute": 50}
